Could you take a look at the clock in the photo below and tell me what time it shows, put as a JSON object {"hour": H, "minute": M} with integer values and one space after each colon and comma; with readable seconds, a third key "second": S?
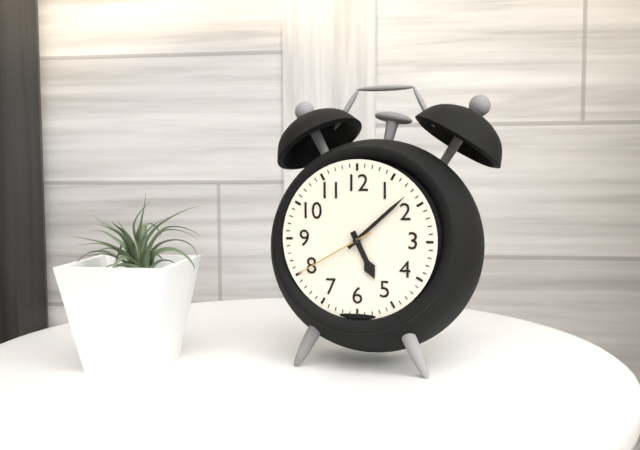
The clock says {"hour": 5, "minute": 8, "second": 40}
